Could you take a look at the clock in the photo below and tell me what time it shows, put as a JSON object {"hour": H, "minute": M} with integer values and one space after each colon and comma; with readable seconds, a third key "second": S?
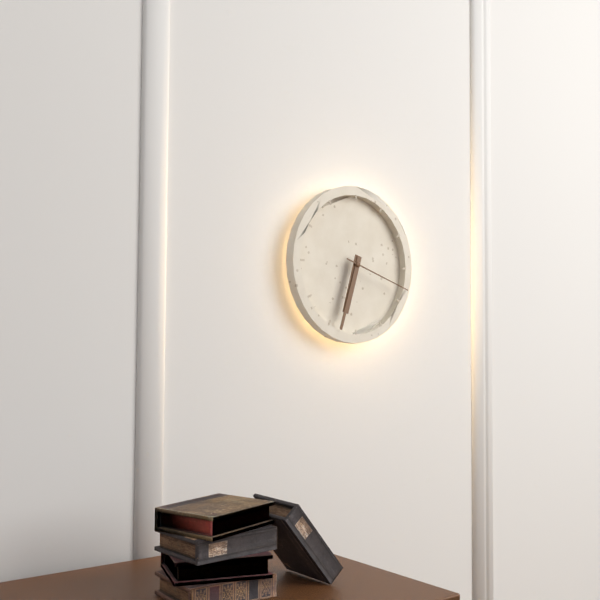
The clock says {"hour": 6, "minute": 33, "second": 18}
